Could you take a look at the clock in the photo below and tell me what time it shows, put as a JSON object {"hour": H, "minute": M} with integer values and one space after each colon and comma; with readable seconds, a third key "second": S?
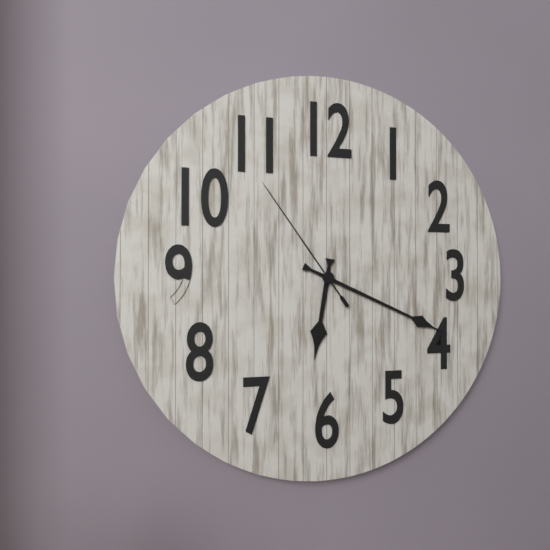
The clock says {"hour": 6, "minute": 19, "second": 54}
